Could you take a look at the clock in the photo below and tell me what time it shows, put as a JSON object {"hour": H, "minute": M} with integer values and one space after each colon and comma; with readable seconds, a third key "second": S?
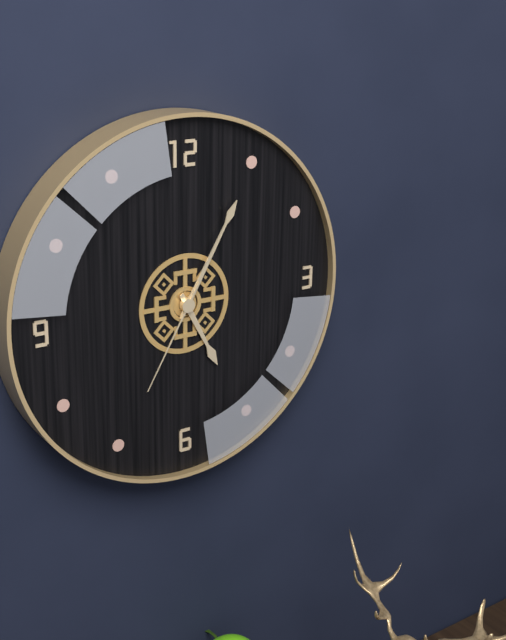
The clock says {"hour": 5, "minute": 5, "second": 35}
